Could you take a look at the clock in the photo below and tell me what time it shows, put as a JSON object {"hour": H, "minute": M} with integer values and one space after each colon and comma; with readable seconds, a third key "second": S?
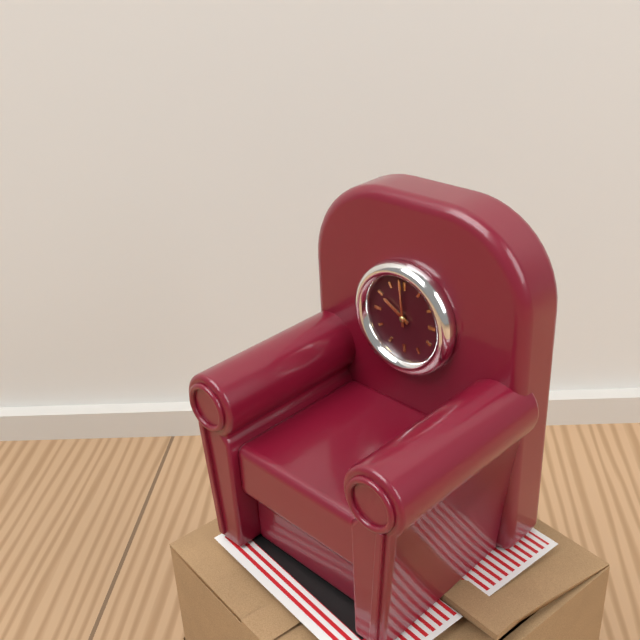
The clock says {"hour": 9, "minute": 59}
